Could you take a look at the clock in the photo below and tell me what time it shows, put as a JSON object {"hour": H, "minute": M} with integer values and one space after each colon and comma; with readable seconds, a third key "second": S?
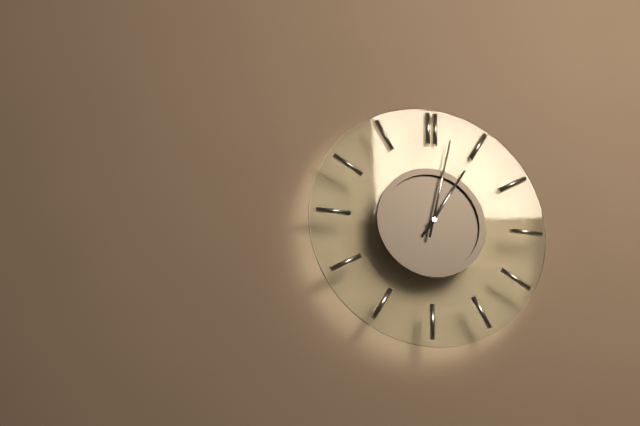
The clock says {"hour": 1, "minute": 2}
